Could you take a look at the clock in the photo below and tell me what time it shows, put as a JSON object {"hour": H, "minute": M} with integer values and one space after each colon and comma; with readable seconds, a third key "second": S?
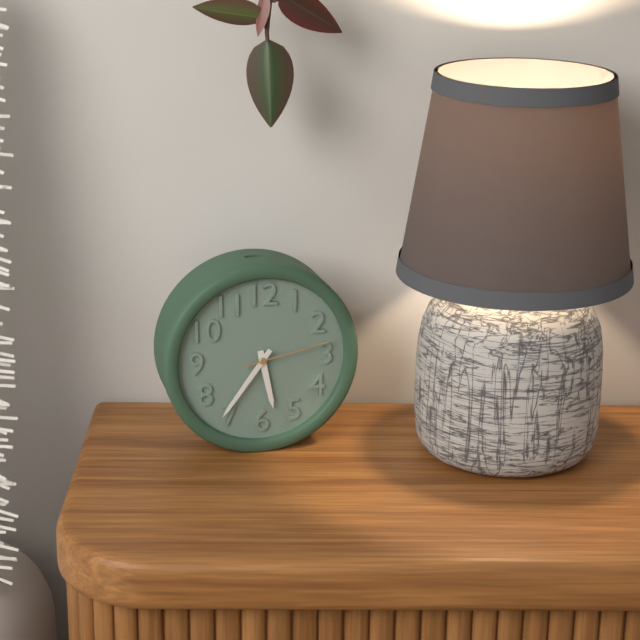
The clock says {"hour": 5, "minute": 36, "second": 13}
